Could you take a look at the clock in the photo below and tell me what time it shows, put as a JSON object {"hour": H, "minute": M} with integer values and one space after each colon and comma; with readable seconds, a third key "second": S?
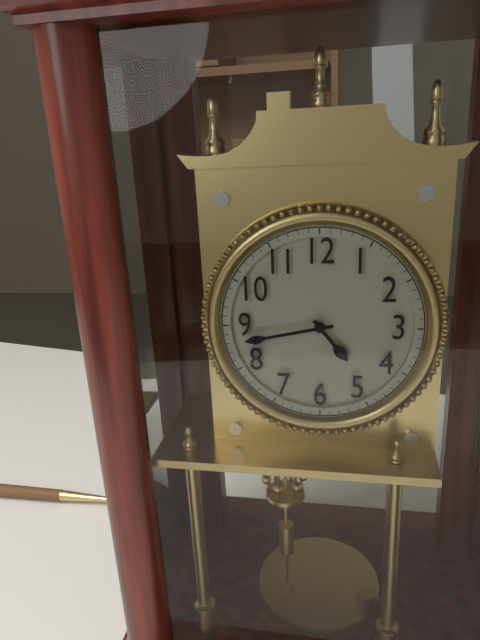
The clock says {"hour": 4, "minute": 43}
